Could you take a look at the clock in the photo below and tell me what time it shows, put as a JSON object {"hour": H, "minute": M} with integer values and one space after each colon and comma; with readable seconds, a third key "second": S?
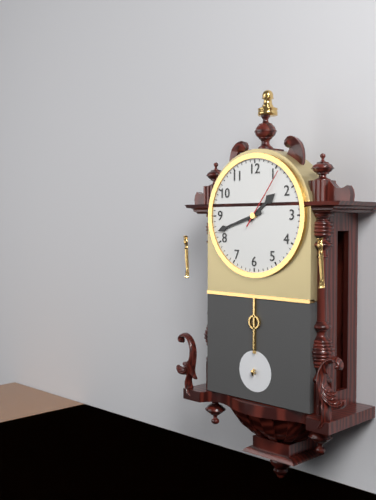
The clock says {"hour": 1, "minute": 42, "second": 6}
